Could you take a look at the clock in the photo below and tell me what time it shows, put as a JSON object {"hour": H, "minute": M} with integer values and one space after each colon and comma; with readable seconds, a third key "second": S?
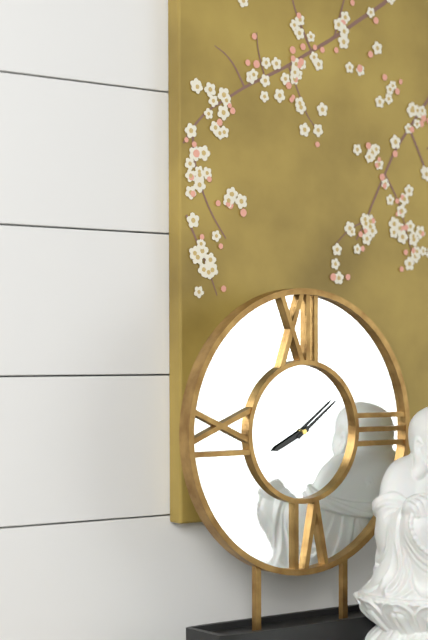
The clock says {"hour": 8, "minute": 9}
